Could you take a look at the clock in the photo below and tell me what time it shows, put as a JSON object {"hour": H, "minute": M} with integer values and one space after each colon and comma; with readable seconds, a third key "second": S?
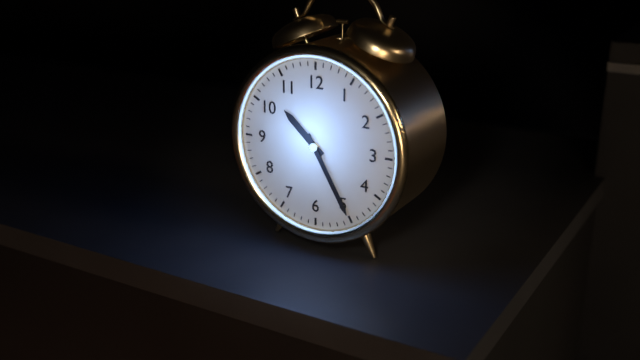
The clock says {"hour": 10, "minute": 25}
